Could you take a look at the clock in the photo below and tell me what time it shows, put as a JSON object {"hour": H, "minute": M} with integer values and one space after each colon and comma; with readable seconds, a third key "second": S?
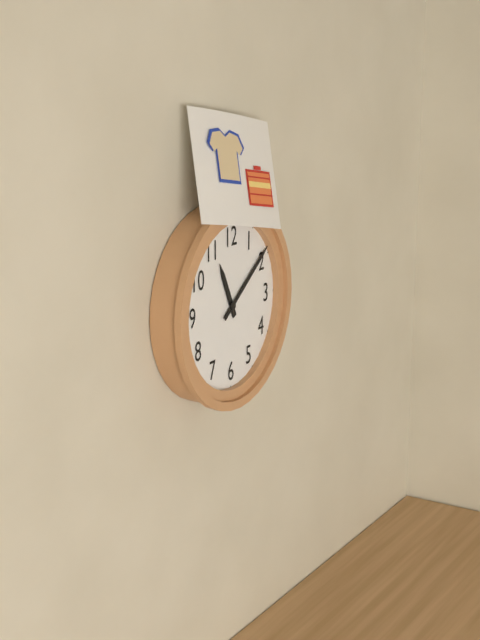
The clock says {"hour": 11, "minute": 9}
